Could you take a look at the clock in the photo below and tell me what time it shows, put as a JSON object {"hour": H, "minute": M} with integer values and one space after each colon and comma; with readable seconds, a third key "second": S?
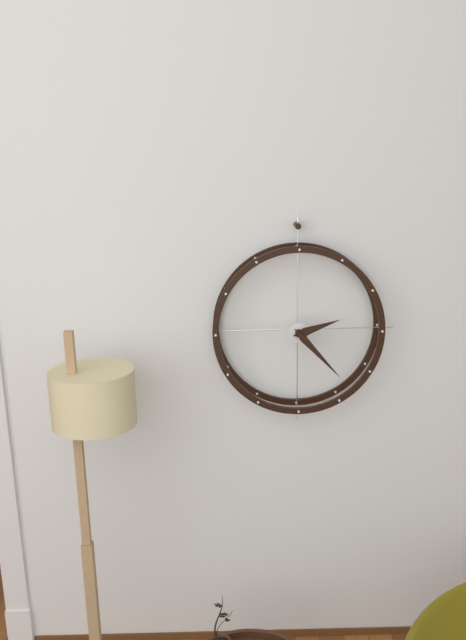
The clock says {"hour": 2, "minute": 23}
